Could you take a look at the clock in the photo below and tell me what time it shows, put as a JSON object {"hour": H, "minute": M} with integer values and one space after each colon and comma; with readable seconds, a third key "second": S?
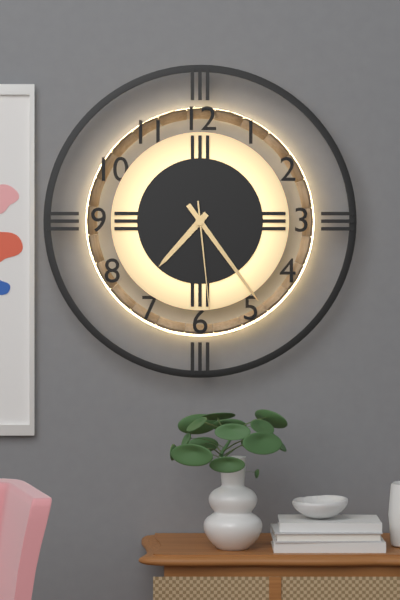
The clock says {"hour": 7, "minute": 24, "second": 29}
